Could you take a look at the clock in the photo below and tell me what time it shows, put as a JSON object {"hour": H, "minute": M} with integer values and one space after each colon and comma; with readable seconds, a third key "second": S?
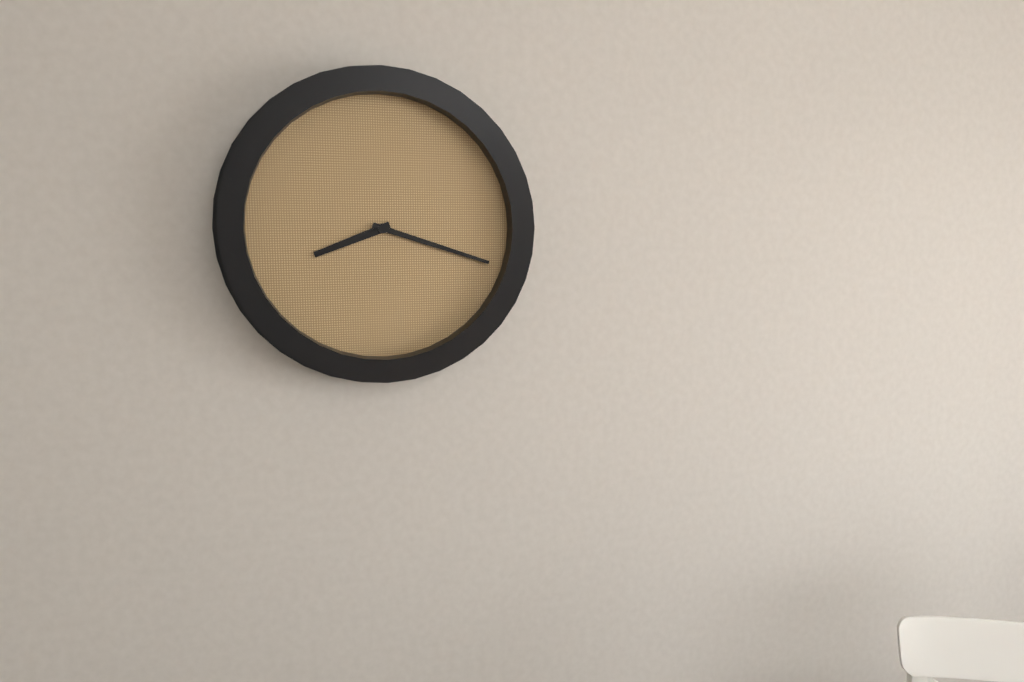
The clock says {"hour": 8, "minute": 18}
